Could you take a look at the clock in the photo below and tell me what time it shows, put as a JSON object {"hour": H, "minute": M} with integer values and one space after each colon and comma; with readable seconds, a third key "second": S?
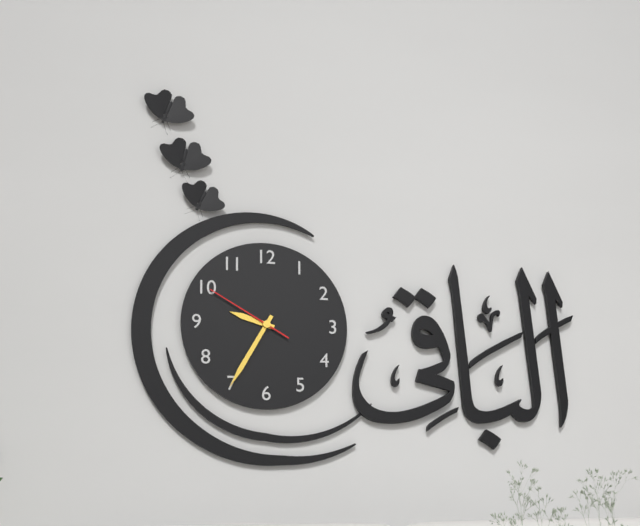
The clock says {"hour": 9, "minute": 35, "second": 50}
